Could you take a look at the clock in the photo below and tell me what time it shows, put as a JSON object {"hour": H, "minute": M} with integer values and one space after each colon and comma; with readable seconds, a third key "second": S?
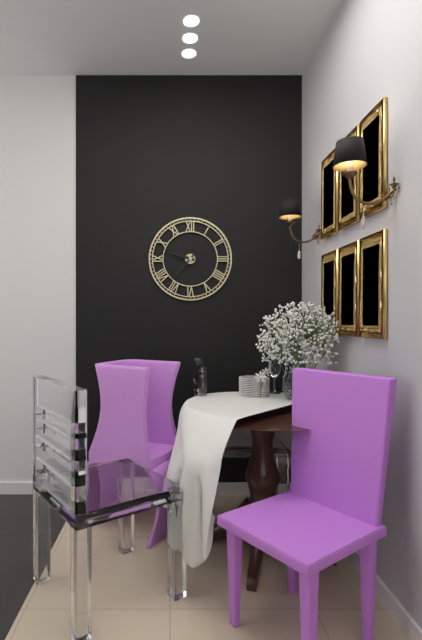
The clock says {"hour": 9, "minute": 37}
